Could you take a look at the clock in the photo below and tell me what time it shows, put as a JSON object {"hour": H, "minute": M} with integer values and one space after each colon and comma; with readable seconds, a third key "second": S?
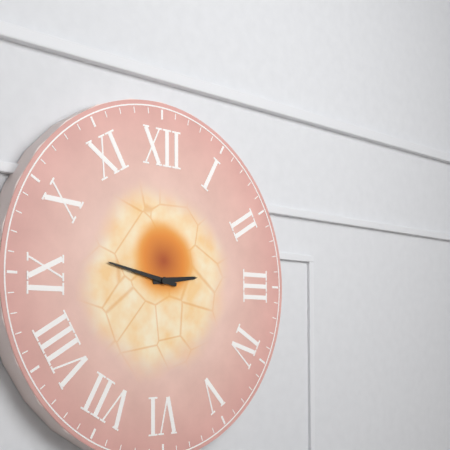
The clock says {"hour": 2, "minute": 47}
